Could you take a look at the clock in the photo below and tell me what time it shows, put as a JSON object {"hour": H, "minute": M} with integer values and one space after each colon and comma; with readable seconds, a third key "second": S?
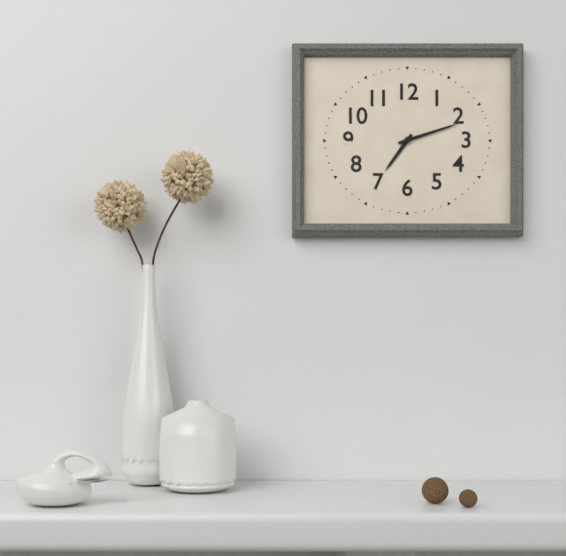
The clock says {"hour": 7, "minute": 12}
